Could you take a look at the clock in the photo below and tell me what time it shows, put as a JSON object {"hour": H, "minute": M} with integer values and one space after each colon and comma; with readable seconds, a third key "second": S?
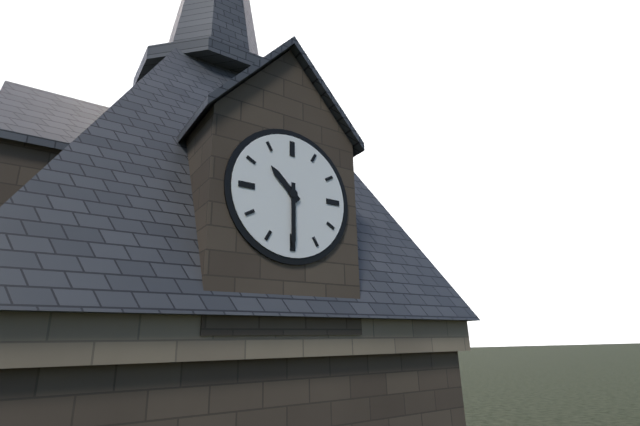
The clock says {"hour": 10, "minute": 30}
